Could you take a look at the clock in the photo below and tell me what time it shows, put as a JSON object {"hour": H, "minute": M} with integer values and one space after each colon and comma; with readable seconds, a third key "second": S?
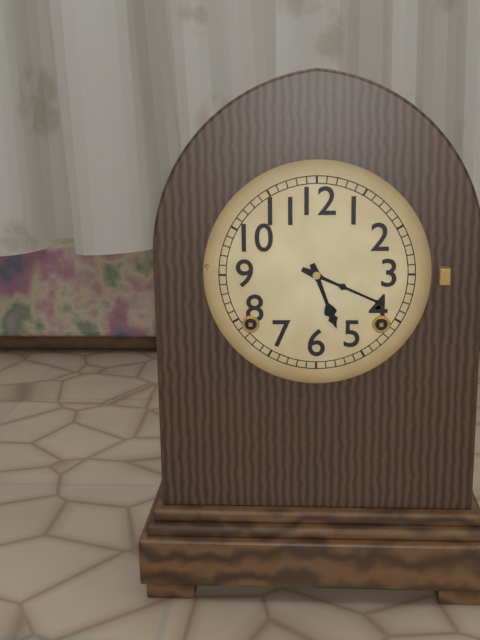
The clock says {"hour": 5, "minute": 19}
